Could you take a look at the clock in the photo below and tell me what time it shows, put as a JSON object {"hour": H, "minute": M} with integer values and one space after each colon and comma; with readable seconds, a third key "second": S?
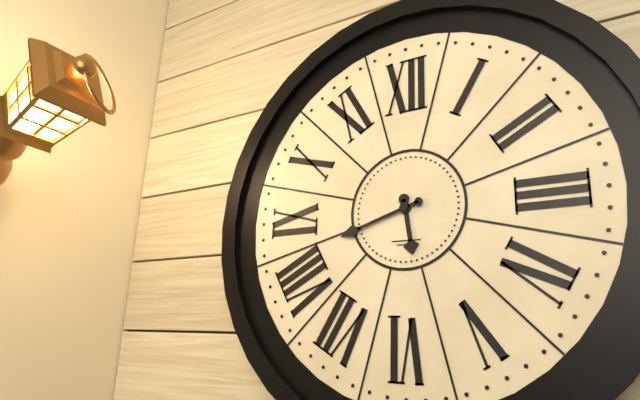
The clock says {"hour": 5, "minute": 42}
